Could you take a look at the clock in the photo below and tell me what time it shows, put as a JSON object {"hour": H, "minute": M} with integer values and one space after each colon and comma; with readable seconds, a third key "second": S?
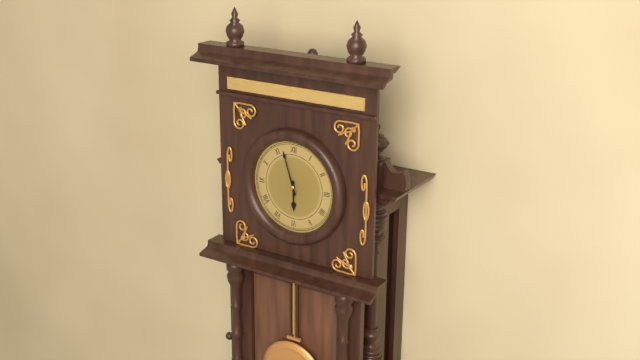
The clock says {"hour": 5, "minute": 57}
